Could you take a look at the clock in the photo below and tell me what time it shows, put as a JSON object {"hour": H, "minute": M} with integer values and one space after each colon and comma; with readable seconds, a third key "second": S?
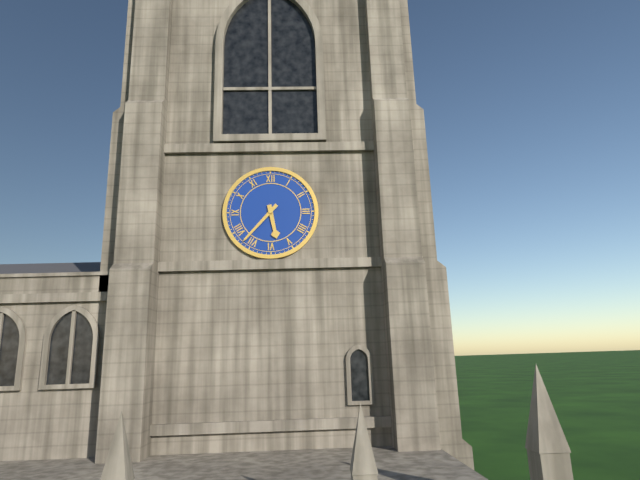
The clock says {"hour": 5, "minute": 37}
